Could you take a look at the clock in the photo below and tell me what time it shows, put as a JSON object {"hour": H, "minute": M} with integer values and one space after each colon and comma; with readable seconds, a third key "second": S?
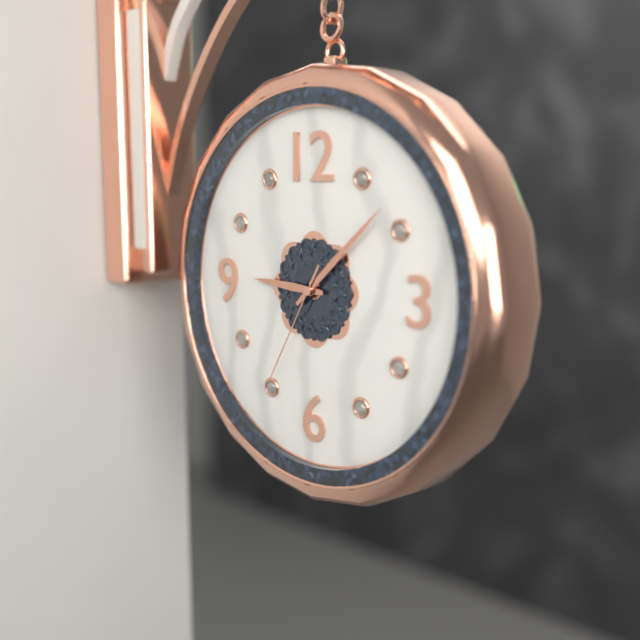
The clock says {"hour": 9, "minute": 8, "second": 35}
